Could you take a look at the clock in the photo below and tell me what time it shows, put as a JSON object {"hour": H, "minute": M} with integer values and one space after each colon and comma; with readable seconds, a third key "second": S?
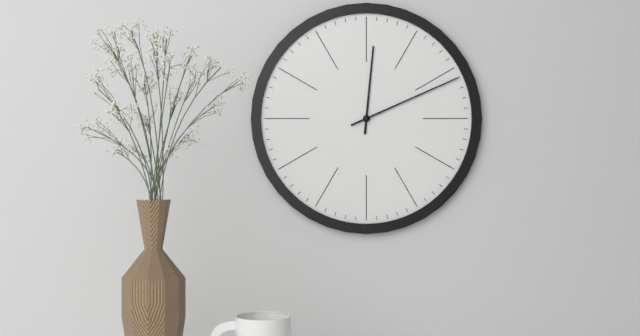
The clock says {"hour": 12, "minute": 11}
